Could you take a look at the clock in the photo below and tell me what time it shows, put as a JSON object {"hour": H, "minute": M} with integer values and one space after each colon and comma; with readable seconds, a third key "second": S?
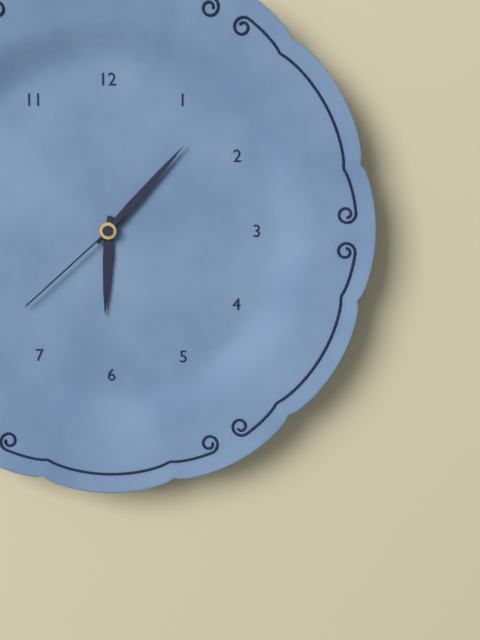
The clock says {"hour": 6, "minute": 7, "second": 38}
